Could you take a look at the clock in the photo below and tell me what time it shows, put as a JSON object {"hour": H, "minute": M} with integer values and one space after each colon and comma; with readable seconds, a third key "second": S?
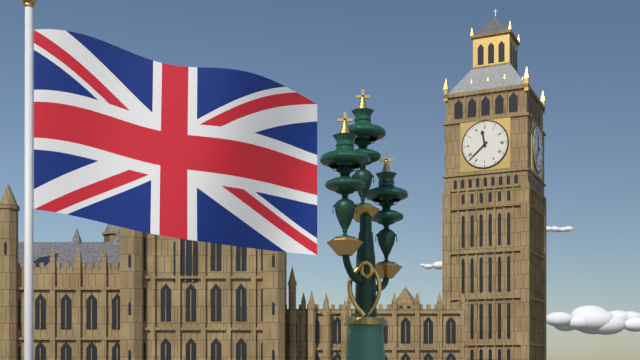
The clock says {"hour": 11, "minute": 38}
